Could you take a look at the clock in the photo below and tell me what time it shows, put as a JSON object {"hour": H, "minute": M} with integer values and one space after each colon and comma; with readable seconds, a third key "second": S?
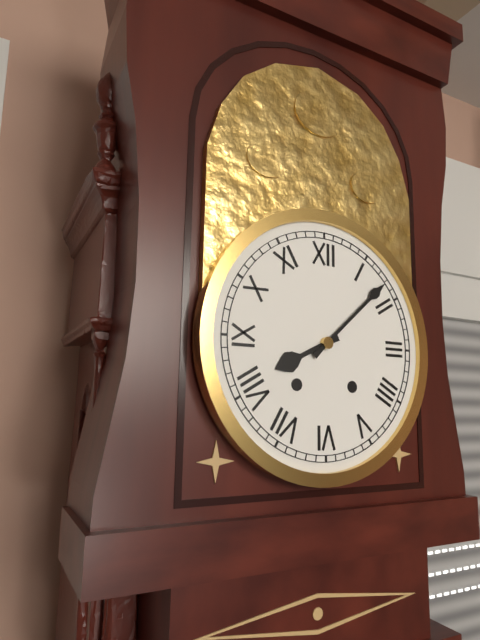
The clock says {"hour": 8, "minute": 8}
